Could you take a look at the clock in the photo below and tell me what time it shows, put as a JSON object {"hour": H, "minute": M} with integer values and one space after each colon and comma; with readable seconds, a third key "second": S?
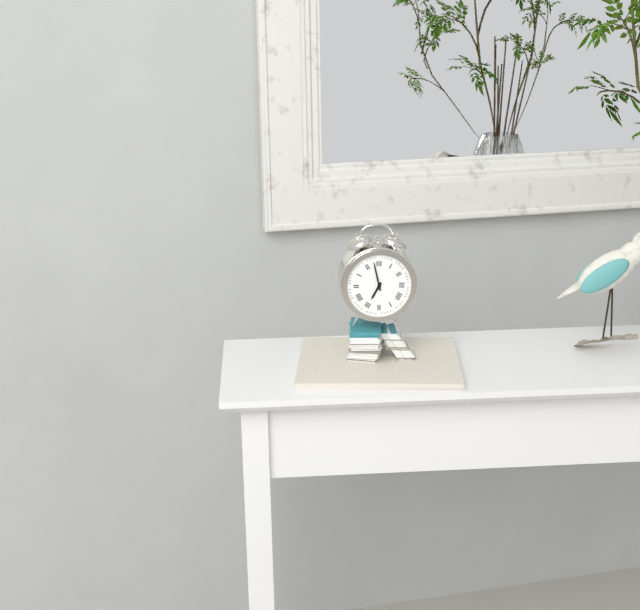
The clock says {"hour": 6, "minute": 58}
